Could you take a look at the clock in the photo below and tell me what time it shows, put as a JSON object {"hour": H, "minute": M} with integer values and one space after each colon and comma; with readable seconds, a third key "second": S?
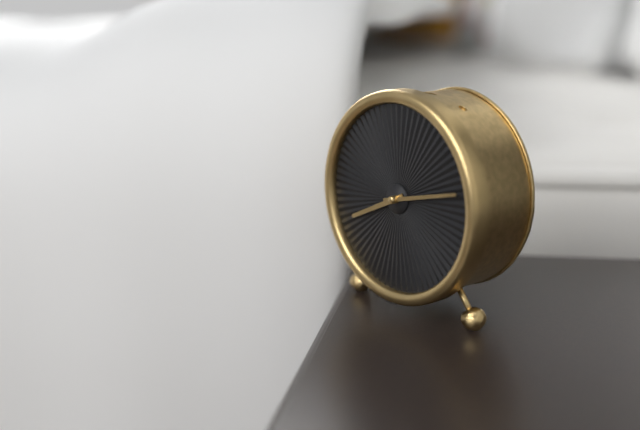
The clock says {"hour": 8, "minute": 13}
